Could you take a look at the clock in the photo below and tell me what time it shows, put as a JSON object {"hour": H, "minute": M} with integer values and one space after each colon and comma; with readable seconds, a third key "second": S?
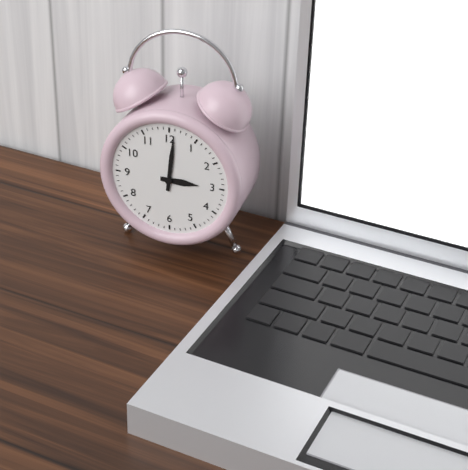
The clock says {"hour": 3, "minute": 1}
